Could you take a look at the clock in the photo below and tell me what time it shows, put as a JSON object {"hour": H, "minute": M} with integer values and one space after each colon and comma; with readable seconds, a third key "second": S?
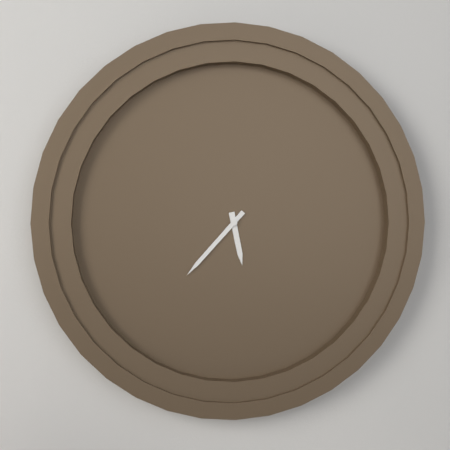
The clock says {"hour": 5, "minute": 37}
